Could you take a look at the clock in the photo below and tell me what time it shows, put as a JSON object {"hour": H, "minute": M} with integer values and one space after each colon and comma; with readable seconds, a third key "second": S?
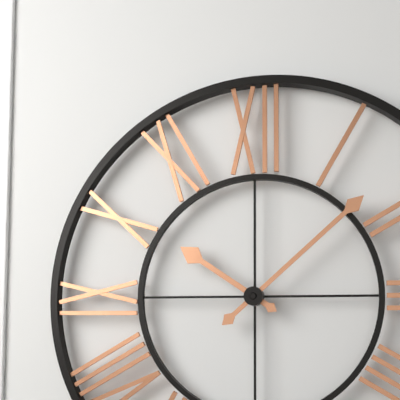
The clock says {"hour": 10, "minute": 8}
